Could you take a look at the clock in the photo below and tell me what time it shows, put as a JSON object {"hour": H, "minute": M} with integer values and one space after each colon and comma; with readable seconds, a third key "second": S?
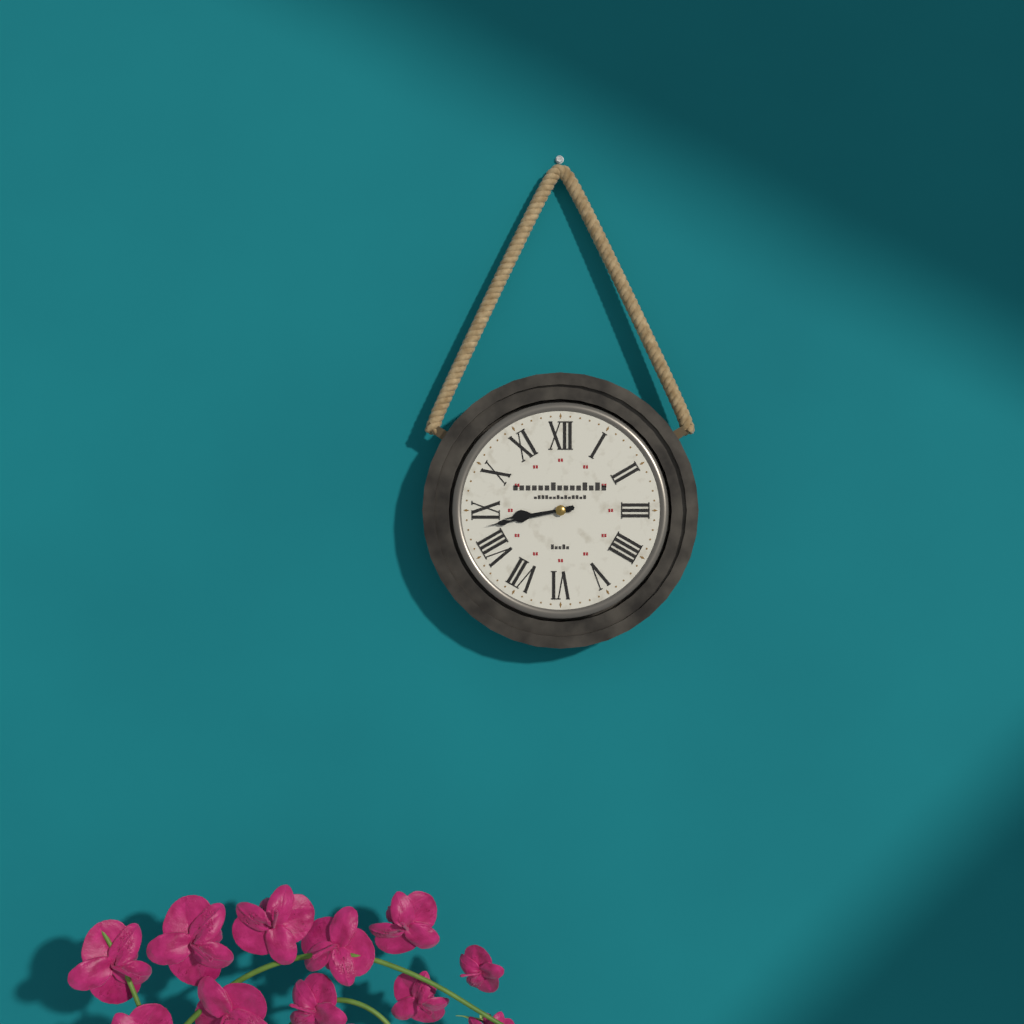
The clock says {"hour": 8, "minute": 43}
